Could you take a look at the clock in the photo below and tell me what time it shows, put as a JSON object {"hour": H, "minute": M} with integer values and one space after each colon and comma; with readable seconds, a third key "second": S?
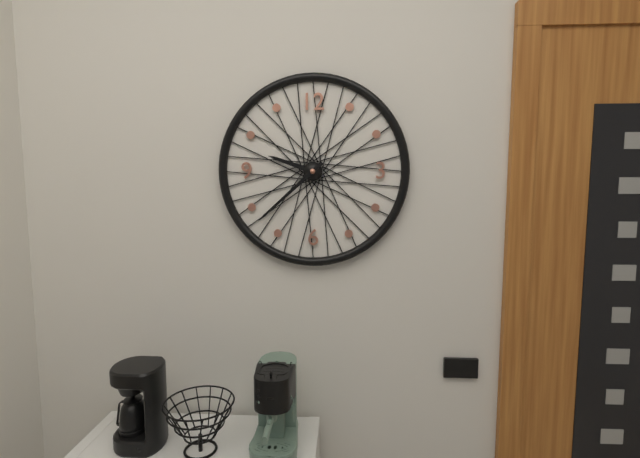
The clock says {"hour": 9, "minute": 38}
